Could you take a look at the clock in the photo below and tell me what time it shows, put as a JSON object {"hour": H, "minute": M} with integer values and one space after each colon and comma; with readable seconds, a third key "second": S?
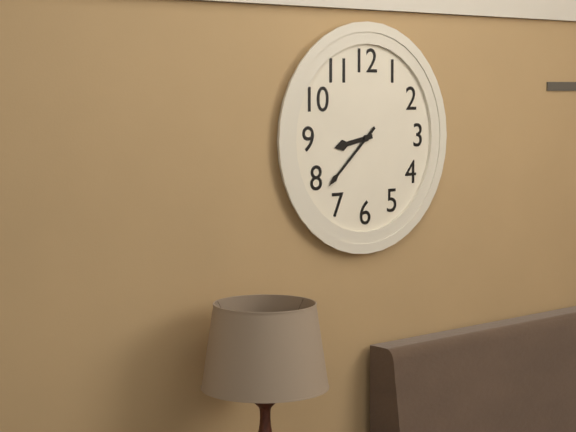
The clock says {"hour": 8, "minute": 38}
